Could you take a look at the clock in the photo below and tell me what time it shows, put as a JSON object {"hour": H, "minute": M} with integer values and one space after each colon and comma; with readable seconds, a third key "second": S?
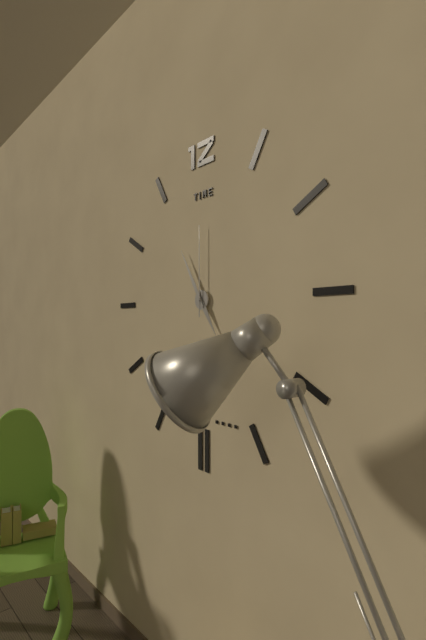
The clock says {"hour": 4, "minute": 55, "second": 0}
